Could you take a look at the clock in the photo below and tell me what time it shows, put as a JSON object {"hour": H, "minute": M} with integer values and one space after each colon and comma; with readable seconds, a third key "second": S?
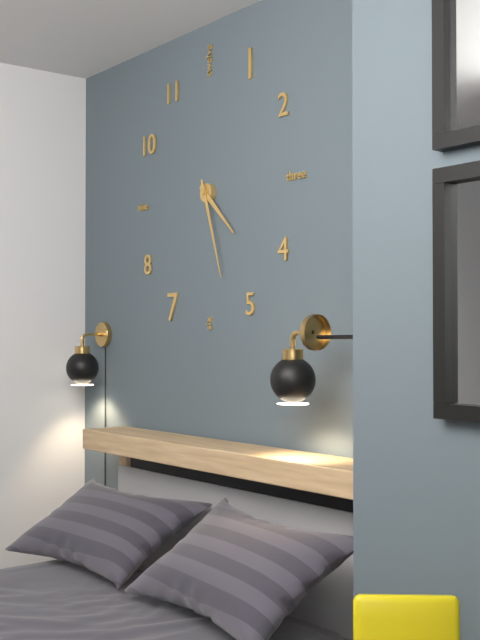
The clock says {"hour": 4, "minute": 27}
